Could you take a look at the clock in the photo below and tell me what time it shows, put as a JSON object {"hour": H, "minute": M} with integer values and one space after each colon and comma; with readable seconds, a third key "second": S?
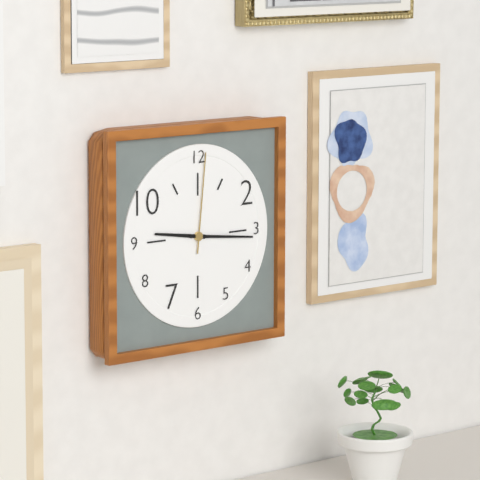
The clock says {"hour": 9, "minute": 16, "second": 1}
